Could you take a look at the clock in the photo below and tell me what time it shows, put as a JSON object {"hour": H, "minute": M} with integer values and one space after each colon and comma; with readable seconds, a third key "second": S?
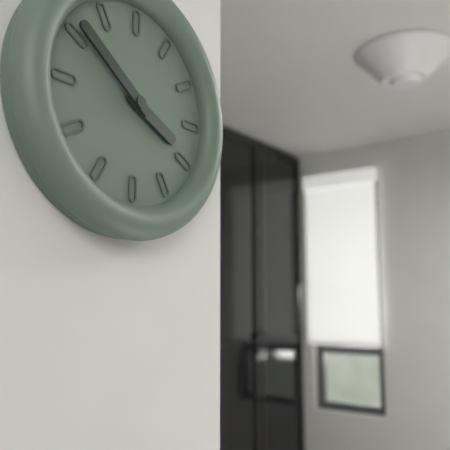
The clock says {"hour": 3, "minute": 51}
